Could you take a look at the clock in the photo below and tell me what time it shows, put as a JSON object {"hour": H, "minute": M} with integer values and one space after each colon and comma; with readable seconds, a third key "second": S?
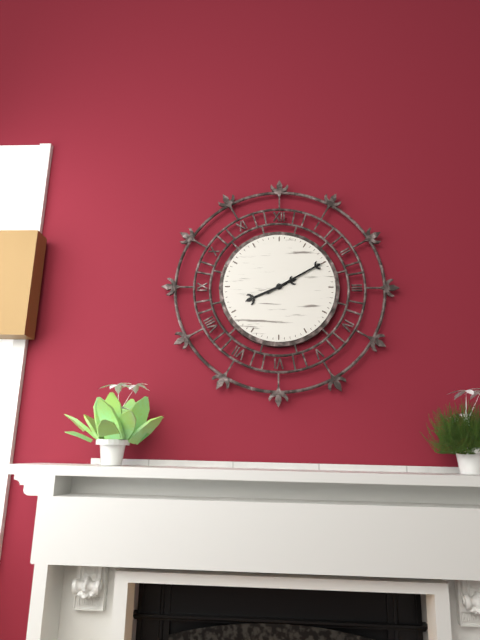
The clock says {"hour": 8, "minute": 10}
